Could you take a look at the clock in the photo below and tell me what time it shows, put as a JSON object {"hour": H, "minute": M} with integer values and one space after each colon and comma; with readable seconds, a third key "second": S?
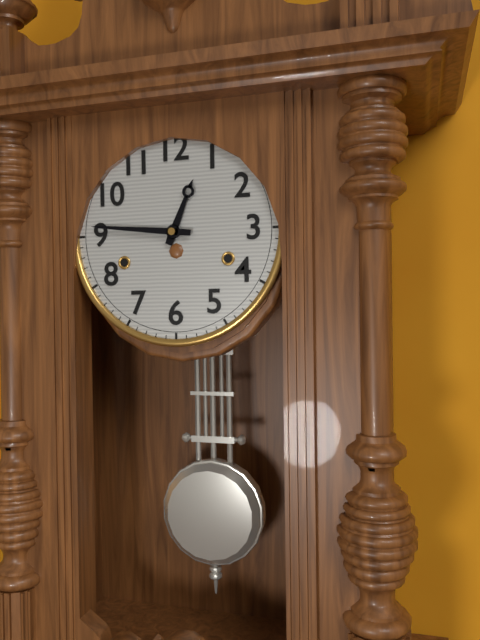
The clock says {"hour": 12, "minute": 46}
